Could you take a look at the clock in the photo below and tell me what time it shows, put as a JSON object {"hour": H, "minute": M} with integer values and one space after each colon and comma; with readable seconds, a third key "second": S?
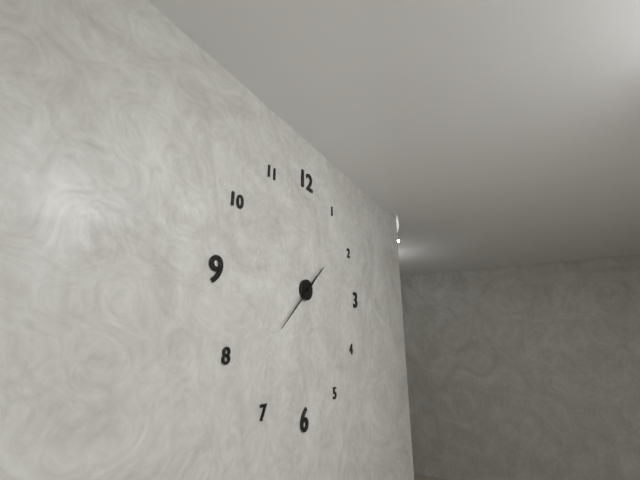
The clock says {"hour": 1, "minute": 38}
